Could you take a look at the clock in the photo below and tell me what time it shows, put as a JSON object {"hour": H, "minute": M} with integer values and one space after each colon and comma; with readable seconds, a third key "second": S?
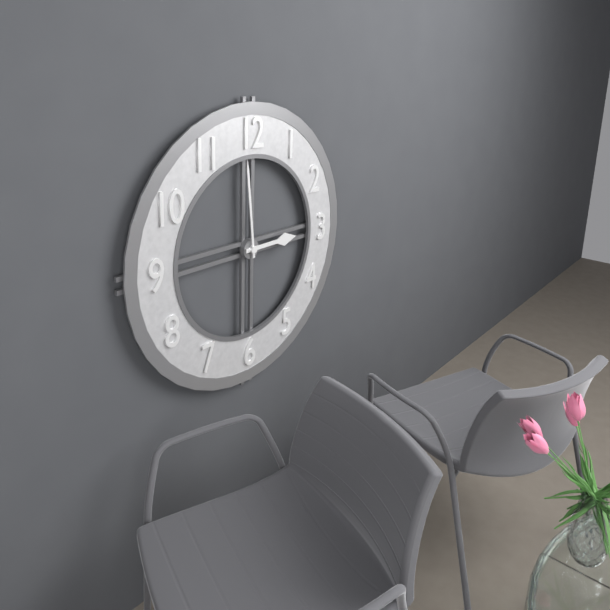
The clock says {"hour": 2, "minute": 59}
